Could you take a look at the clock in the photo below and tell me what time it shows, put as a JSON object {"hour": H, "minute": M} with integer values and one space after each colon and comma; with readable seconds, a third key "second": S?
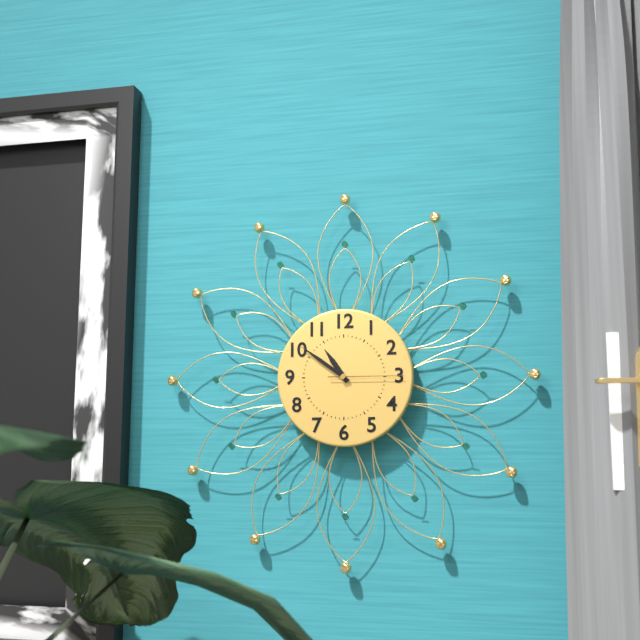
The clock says {"hour": 10, "minute": 51, "second": 15}
